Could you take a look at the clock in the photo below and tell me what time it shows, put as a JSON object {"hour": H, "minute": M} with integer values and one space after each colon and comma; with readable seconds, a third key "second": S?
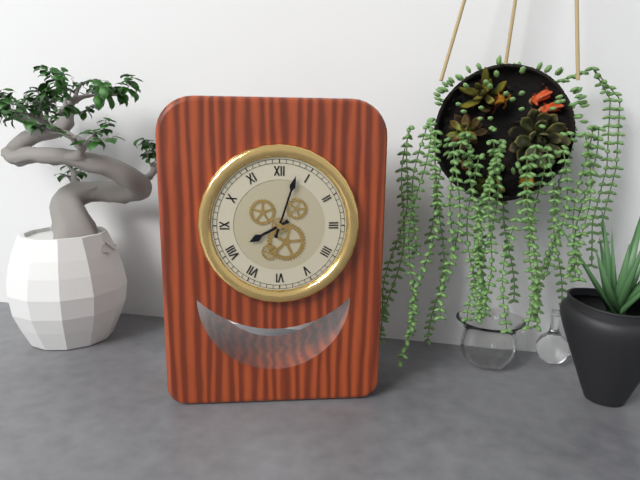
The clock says {"hour": 8, "minute": 3}
